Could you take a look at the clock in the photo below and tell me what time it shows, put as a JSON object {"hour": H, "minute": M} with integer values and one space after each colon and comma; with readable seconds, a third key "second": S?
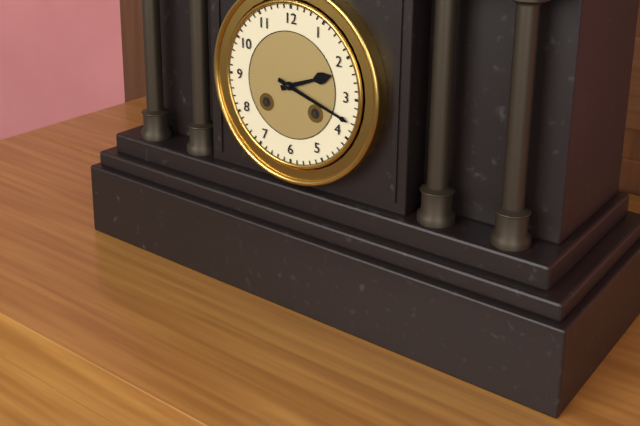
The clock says {"hour": 2, "minute": 18}
